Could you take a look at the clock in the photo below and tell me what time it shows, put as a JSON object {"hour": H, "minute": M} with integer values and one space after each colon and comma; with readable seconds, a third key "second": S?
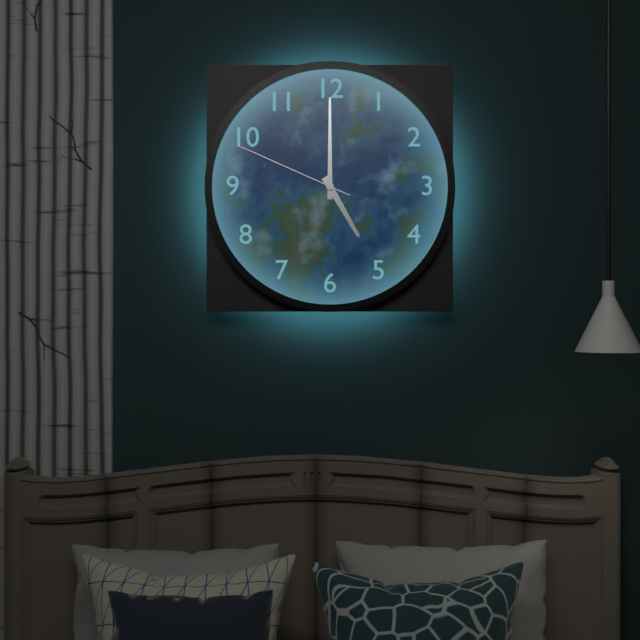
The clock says {"hour": 5, "minute": 0, "second": 49}
